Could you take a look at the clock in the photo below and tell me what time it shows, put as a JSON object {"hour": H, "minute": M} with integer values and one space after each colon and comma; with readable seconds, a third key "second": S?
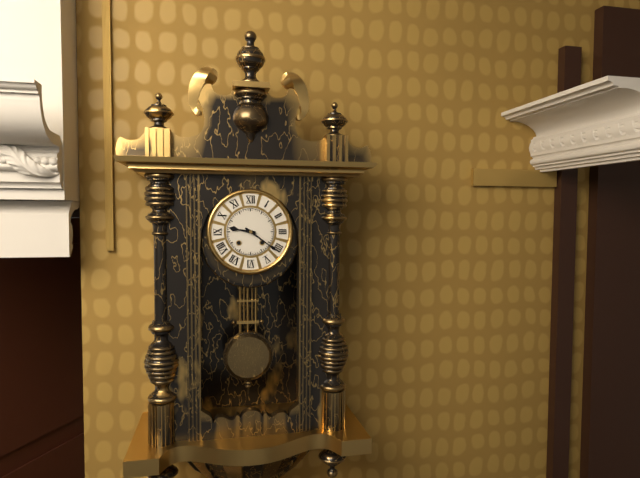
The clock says {"hour": 9, "minute": 21}
